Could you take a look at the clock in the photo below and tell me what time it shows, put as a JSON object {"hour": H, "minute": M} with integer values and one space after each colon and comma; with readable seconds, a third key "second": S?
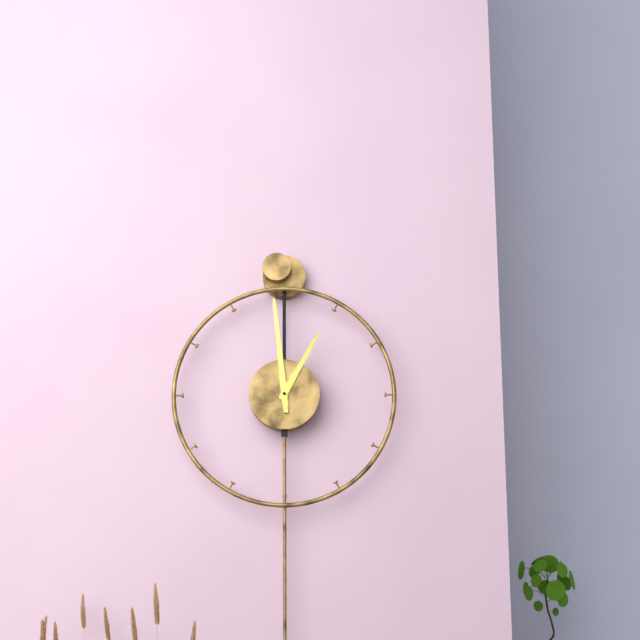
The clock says {"hour": 12, "minute": 59}
